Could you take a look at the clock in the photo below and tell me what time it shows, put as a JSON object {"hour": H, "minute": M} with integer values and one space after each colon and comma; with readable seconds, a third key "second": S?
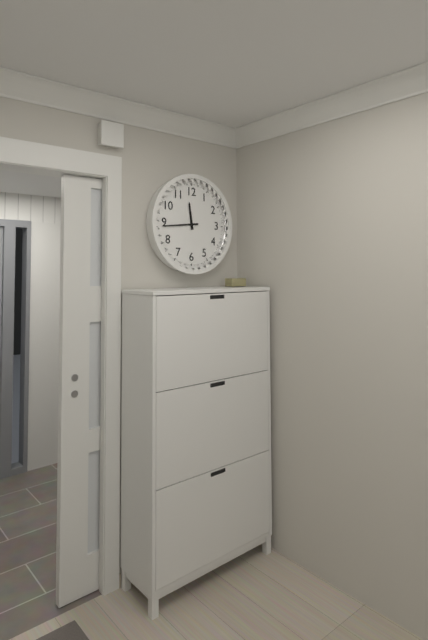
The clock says {"hour": 11, "minute": 44}
